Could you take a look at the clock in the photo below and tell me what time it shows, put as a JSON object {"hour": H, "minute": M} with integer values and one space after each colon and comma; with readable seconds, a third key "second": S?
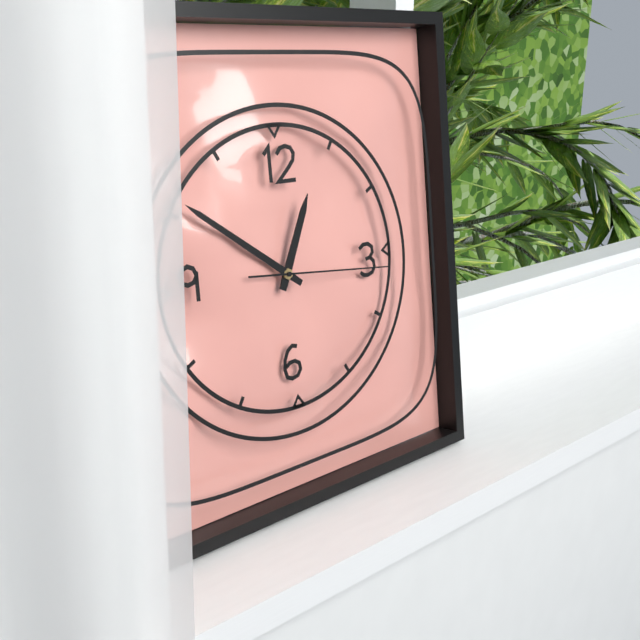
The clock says {"hour": 12, "minute": 51, "second": 16}
